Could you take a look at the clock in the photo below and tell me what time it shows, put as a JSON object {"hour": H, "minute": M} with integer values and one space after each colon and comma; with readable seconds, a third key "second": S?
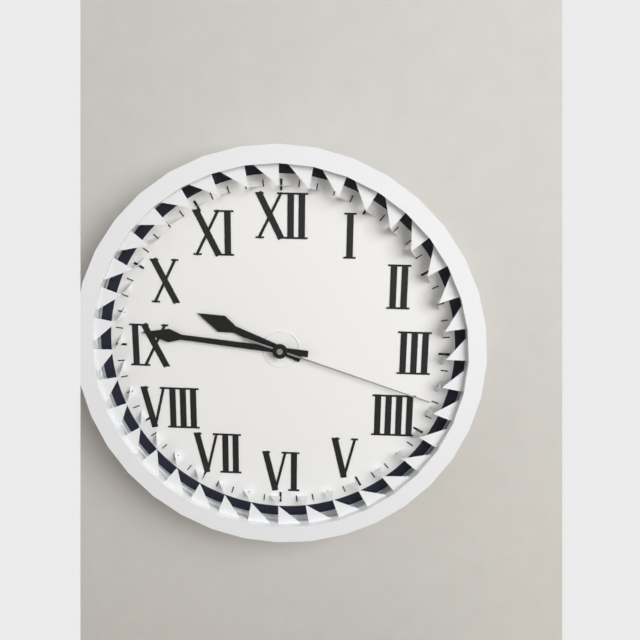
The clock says {"hour": 9, "minute": 46, "second": 18}
